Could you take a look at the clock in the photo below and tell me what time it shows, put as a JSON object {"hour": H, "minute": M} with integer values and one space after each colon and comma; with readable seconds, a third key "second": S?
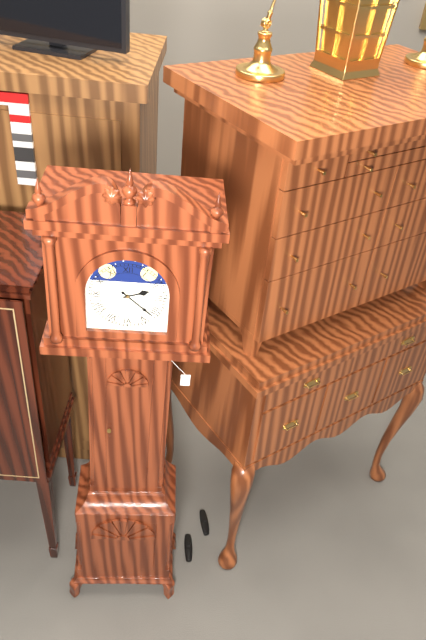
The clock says {"hour": 2, "minute": 22}
